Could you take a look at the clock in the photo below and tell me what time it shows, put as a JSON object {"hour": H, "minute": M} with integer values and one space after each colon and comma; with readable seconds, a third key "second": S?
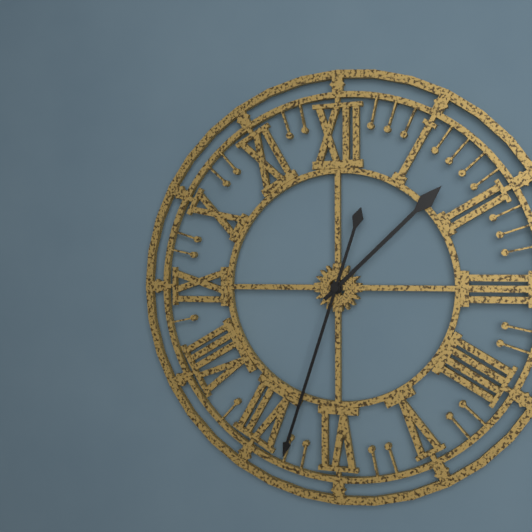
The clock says {"hour": 1, "minute": 33}
